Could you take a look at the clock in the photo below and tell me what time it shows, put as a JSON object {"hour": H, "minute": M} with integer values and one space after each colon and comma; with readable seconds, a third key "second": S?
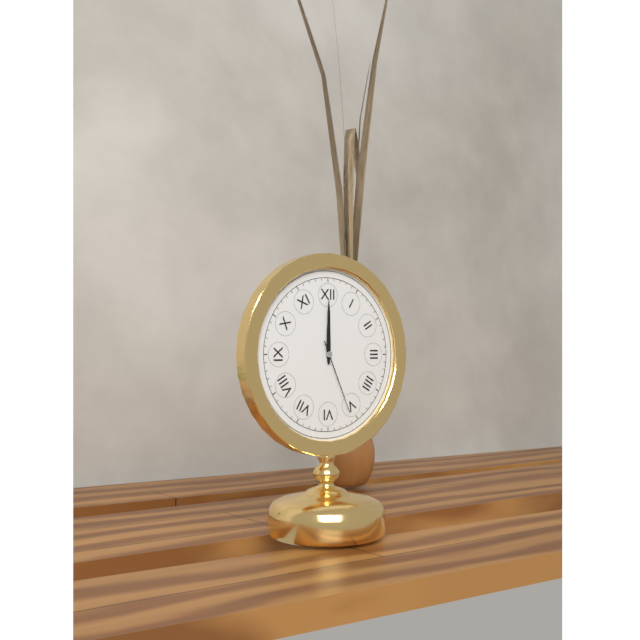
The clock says {"hour": 12, "minute": 0, "second": 26}
